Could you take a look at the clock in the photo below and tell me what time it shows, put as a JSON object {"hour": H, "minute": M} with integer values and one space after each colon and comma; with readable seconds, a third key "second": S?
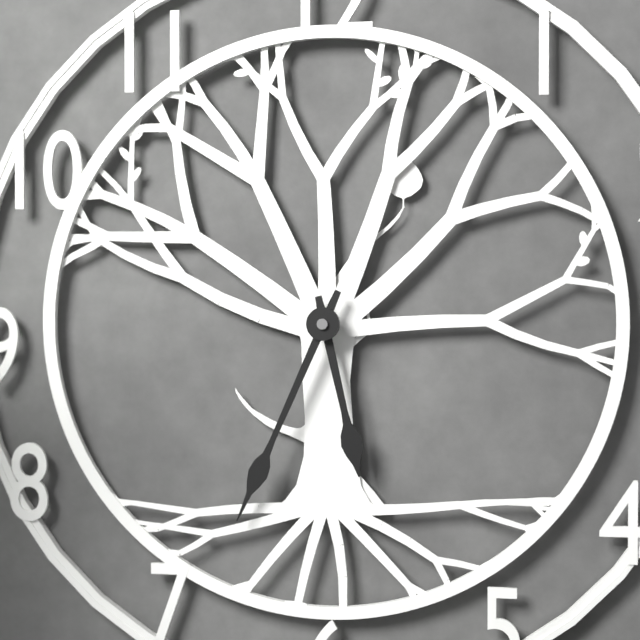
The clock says {"hour": 5, "minute": 34}
